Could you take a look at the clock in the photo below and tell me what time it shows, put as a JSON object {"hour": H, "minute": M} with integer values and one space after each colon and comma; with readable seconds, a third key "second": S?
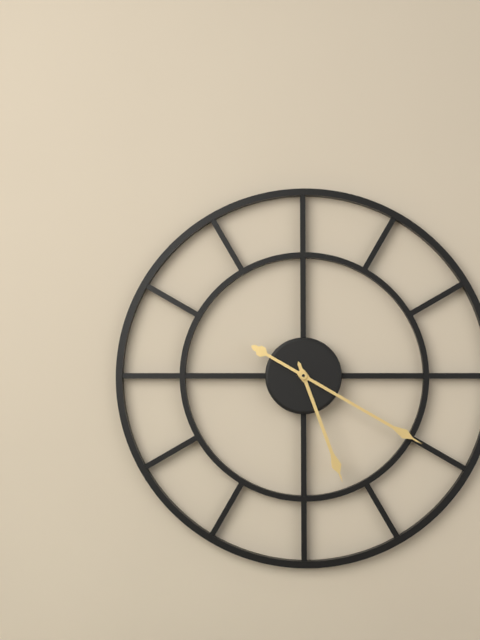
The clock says {"hour": 5, "minute": 20}
